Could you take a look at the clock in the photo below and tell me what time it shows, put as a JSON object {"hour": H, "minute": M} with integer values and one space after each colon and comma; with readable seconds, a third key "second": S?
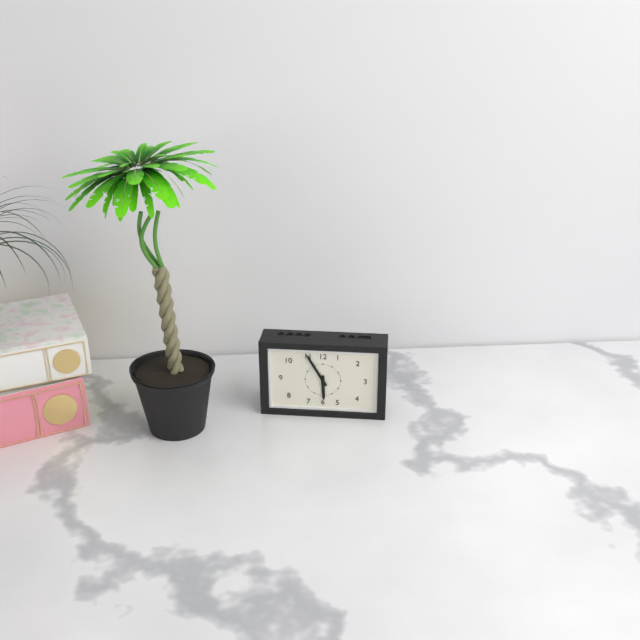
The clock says {"hour": 5, "minute": 55}
